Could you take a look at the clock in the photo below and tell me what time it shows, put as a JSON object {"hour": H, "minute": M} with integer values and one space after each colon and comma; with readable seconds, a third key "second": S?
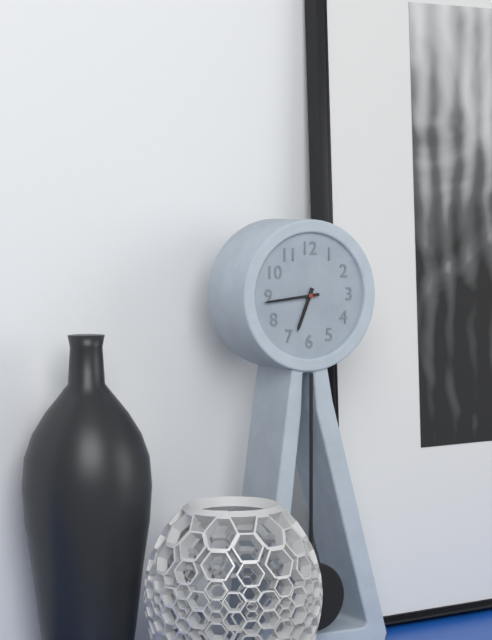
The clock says {"hour": 6, "minute": 44}
